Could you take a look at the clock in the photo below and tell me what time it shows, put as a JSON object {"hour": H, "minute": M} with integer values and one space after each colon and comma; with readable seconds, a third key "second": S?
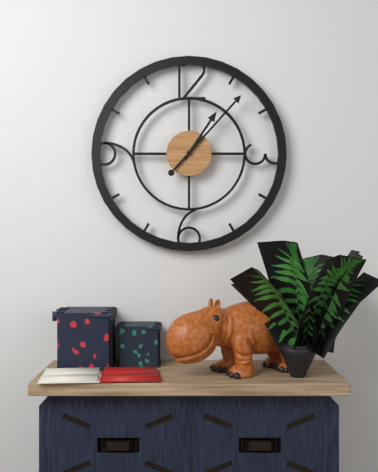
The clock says {"hour": 1, "minute": 7}
